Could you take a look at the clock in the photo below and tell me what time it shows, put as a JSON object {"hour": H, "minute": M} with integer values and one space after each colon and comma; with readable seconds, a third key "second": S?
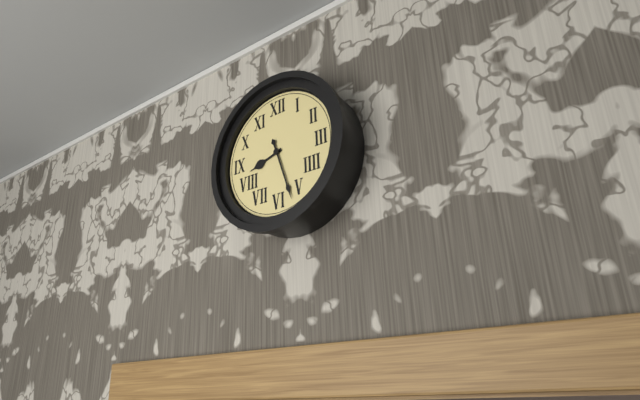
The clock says {"hour": 8, "minute": 27}
